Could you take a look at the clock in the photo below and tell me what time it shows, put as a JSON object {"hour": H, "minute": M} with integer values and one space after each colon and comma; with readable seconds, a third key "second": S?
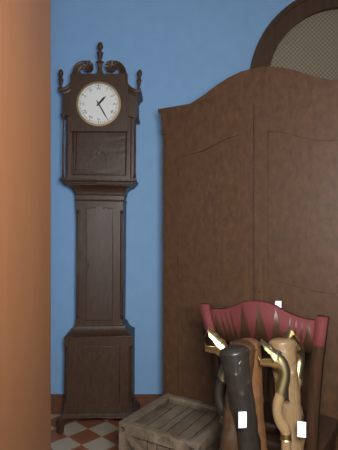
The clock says {"hour": 1, "minute": 25}
